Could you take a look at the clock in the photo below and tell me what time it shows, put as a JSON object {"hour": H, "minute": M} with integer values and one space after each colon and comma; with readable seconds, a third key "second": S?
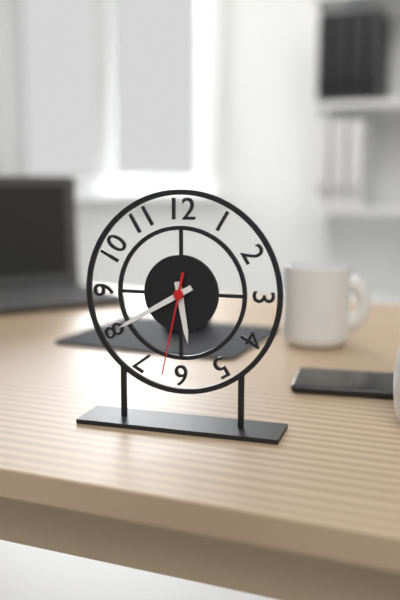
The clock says {"hour": 5, "minute": 40, "second": 32}
